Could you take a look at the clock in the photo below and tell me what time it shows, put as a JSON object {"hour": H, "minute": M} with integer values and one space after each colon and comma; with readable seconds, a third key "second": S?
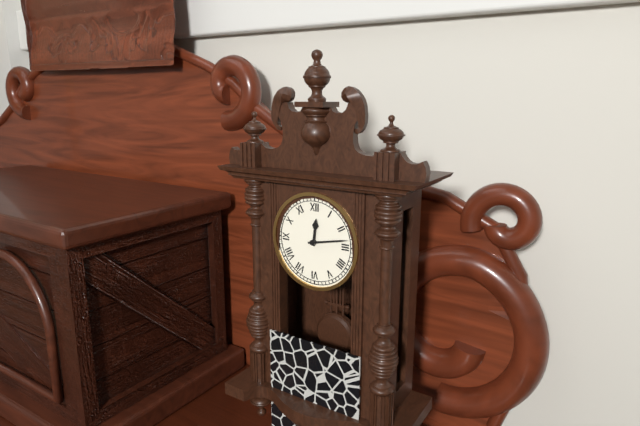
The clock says {"hour": 12, "minute": 13}
